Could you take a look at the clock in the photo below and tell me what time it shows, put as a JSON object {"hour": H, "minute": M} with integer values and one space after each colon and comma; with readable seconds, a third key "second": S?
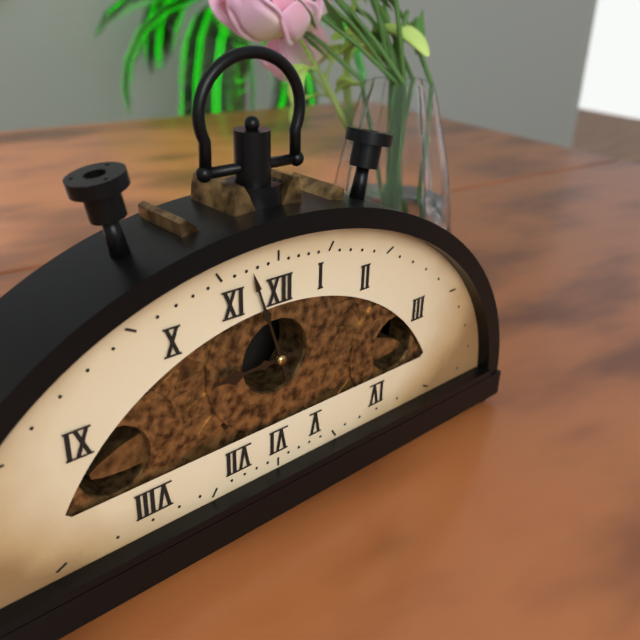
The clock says {"hour": 8, "minute": 57}
